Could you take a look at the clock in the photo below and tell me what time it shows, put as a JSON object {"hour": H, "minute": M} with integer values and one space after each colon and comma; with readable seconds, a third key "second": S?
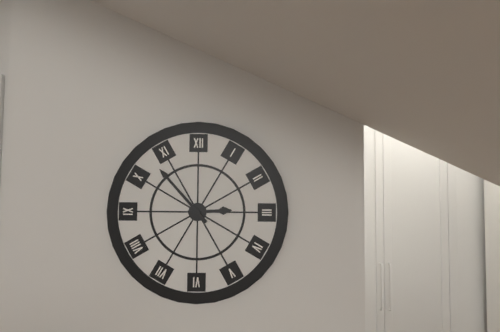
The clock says {"hour": 2, "minute": 53}
